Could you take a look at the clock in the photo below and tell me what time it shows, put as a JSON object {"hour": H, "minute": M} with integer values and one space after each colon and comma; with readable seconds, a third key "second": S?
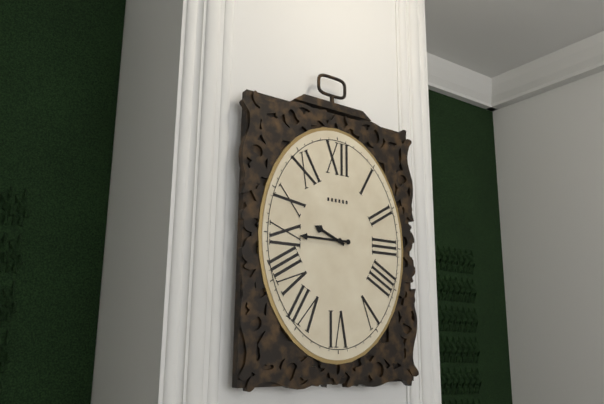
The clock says {"hour": 9, "minute": 45}
